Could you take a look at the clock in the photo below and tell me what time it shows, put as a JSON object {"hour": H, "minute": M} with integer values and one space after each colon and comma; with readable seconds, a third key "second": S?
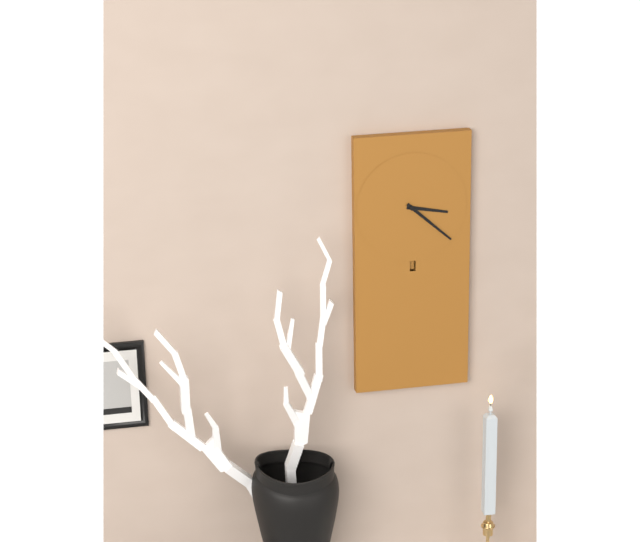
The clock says {"hour": 3, "minute": 22}
